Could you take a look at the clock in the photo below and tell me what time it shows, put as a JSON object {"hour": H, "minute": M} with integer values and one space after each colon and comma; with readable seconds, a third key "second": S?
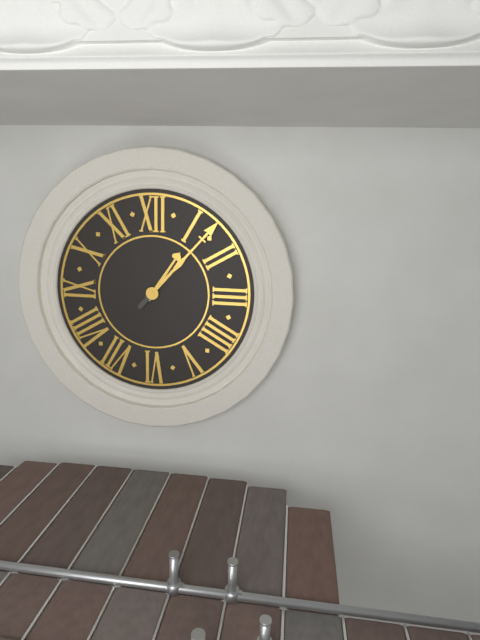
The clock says {"hour": 1, "minute": 7}
